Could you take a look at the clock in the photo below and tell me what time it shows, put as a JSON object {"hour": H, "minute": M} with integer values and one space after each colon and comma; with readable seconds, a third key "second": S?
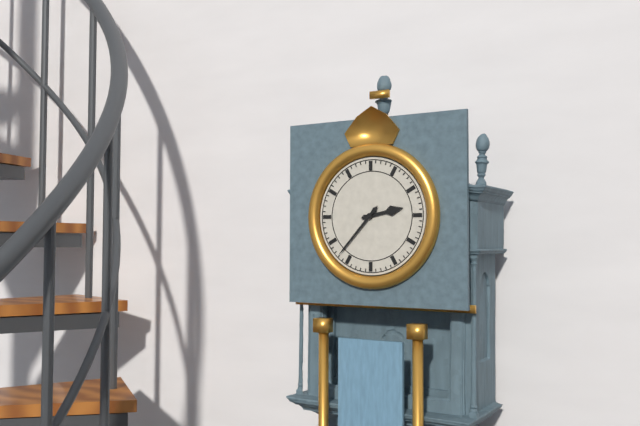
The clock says {"hour": 2, "minute": 37}
